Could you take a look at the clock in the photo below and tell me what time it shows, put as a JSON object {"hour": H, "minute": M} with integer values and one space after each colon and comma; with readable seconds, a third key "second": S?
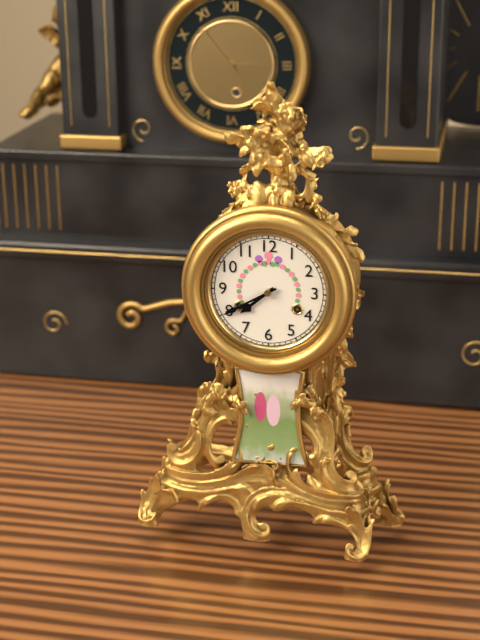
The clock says {"hour": 7, "minute": 40}
